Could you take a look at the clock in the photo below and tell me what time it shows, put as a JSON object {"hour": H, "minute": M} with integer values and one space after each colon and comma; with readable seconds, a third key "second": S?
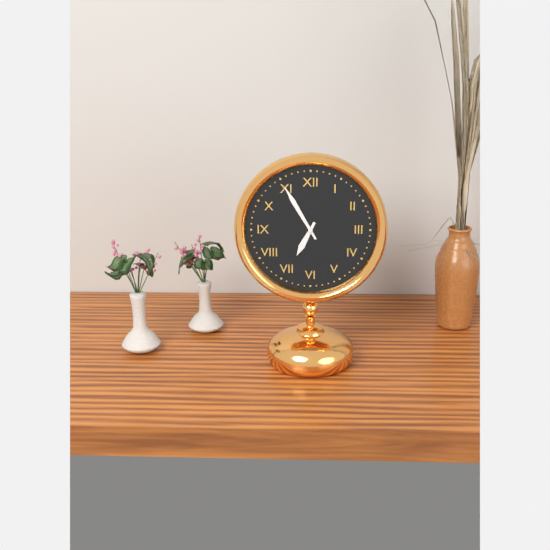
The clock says {"hour": 6, "minute": 55}
